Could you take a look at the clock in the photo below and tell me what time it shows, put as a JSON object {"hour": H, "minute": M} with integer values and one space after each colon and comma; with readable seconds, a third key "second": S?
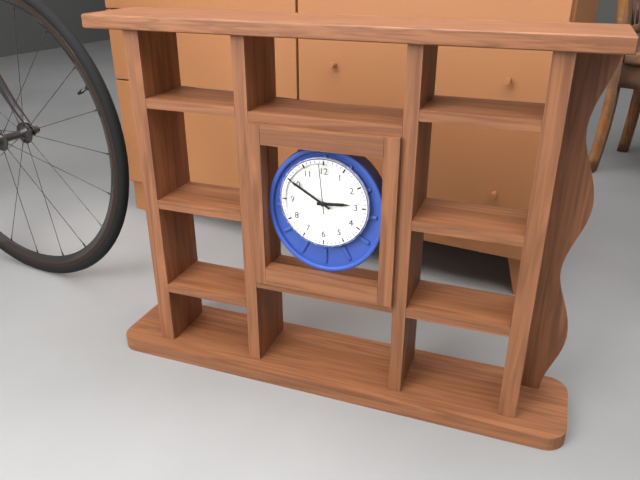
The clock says {"hour": 2, "minute": 50, "second": 59}
